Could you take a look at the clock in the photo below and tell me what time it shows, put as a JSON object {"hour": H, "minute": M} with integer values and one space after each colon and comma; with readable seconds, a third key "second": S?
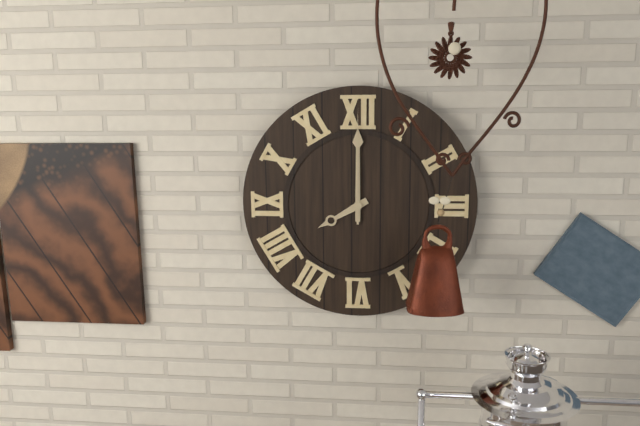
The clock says {"hour": 8, "minute": 0, "second": 0}
